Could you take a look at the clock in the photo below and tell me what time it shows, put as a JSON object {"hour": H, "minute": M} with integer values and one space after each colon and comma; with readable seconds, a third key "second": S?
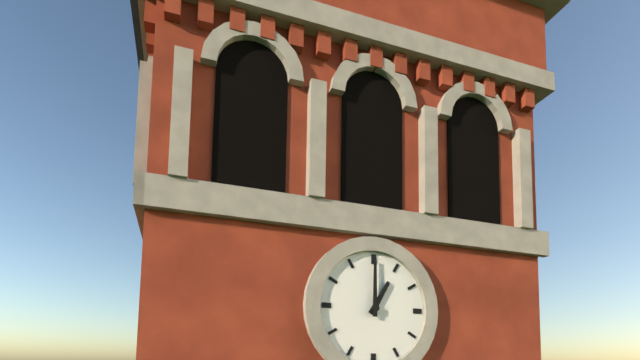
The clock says {"hour": 1, "minute": 0}
